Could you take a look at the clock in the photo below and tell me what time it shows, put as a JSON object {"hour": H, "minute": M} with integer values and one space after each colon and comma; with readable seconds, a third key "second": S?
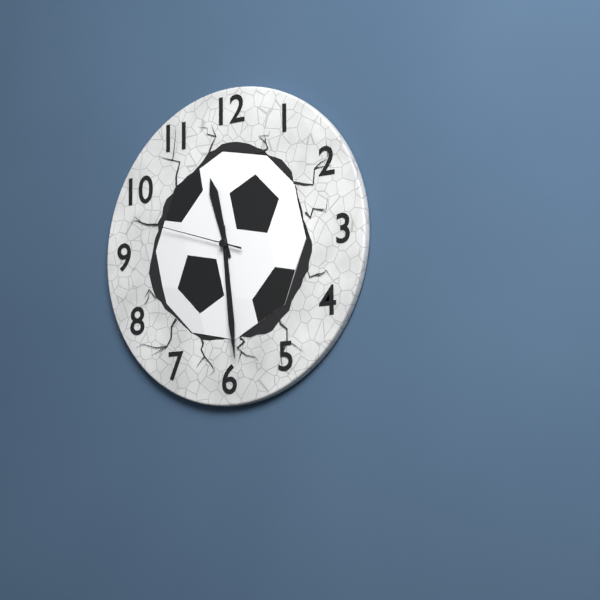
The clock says {"hour": 11, "minute": 29, "second": 48}
